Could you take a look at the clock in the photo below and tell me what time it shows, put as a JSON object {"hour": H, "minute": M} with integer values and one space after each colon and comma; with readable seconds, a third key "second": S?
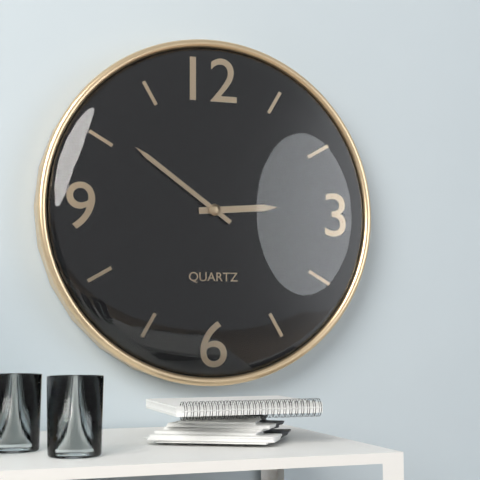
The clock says {"hour": 2, "minute": 51}
